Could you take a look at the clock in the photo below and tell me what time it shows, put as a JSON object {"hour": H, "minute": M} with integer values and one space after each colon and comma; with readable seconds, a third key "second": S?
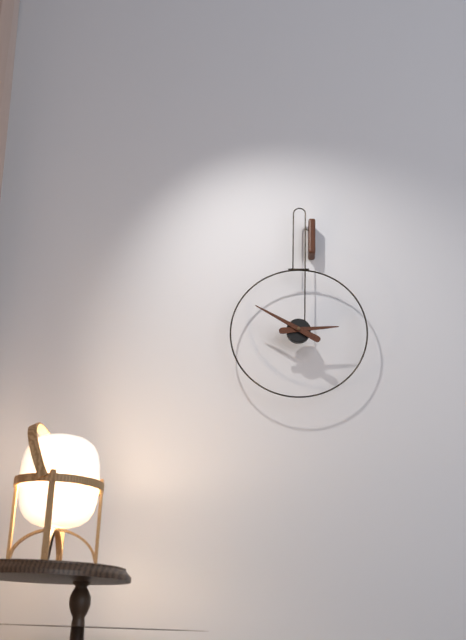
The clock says {"hour": 2, "minute": 50}
